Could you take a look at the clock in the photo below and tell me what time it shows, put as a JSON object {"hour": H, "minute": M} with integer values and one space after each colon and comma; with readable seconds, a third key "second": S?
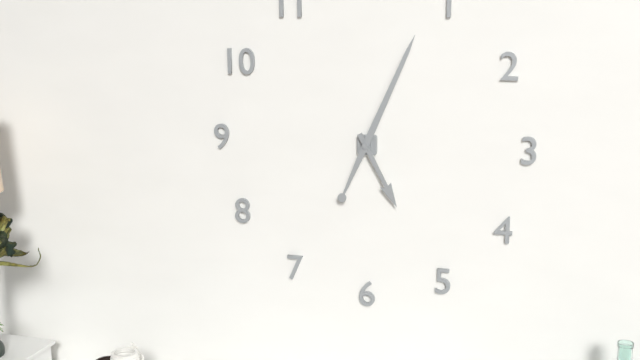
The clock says {"hour": 5, "minute": 4}
